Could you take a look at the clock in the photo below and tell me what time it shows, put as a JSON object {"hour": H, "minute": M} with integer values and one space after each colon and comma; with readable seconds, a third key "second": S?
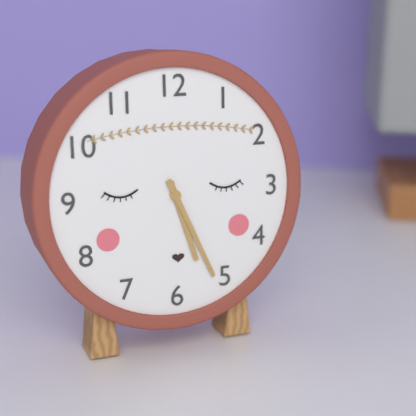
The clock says {"hour": 5, "minute": 26}
